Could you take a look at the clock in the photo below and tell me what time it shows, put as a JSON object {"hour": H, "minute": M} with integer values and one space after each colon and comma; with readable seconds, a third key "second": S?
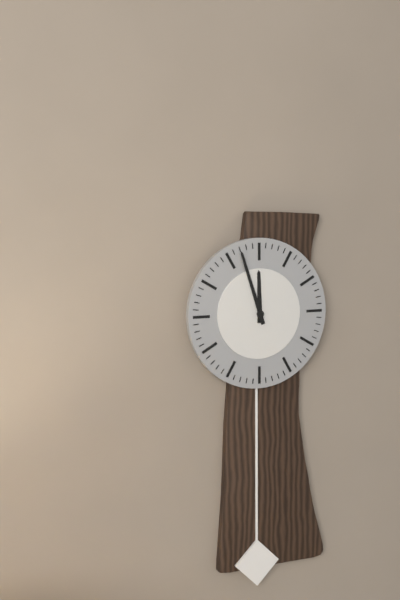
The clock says {"hour": 11, "minute": 57}
